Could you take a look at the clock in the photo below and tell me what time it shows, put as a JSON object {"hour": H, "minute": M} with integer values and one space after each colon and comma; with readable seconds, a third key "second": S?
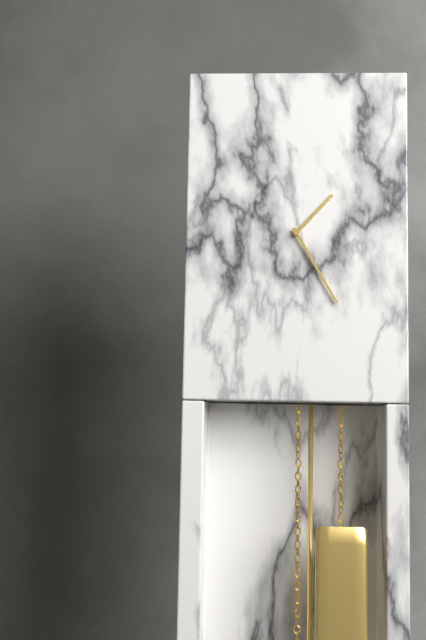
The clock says {"hour": 1, "minute": 25}
